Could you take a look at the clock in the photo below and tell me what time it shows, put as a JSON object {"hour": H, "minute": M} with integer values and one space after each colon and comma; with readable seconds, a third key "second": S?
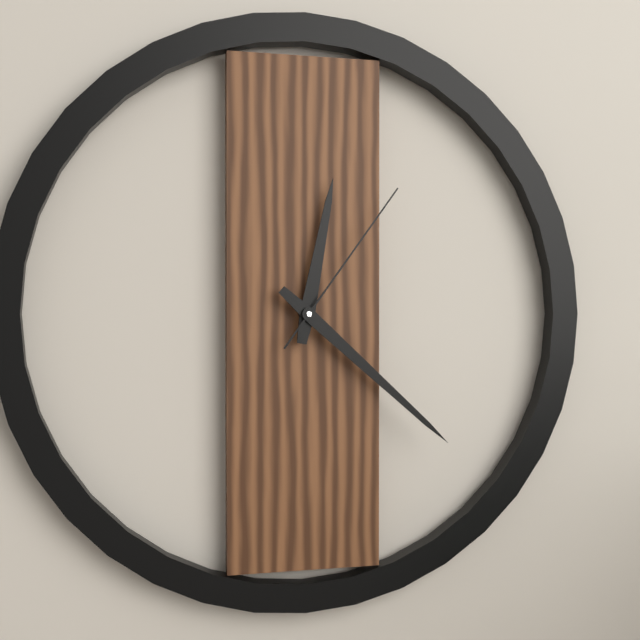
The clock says {"hour": 12, "minute": 22, "second": 6}
